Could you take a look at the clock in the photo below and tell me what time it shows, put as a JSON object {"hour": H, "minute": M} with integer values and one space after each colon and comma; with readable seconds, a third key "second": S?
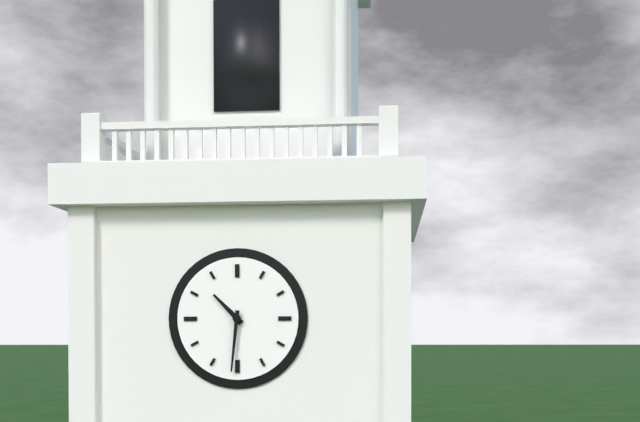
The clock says {"hour": 10, "minute": 31}
